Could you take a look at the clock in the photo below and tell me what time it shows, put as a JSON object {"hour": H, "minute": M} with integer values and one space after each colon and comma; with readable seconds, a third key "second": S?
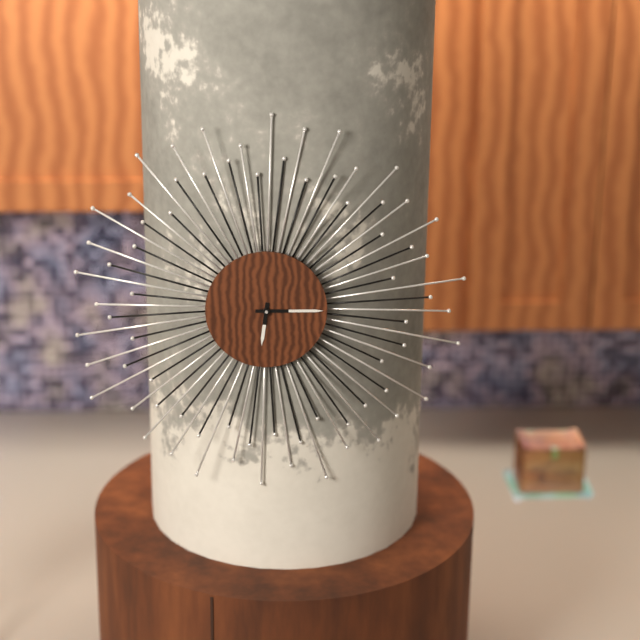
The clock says {"hour": 6, "minute": 15}
